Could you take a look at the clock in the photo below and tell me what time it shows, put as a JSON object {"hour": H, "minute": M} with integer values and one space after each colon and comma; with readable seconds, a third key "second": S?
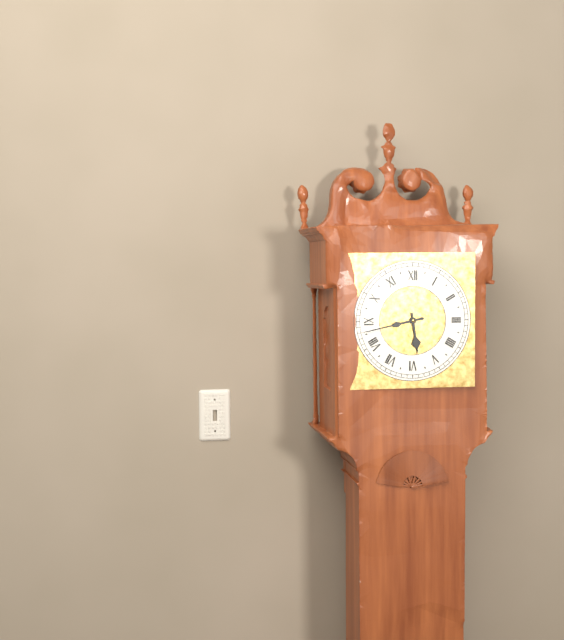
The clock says {"hour": 5, "minute": 43}
